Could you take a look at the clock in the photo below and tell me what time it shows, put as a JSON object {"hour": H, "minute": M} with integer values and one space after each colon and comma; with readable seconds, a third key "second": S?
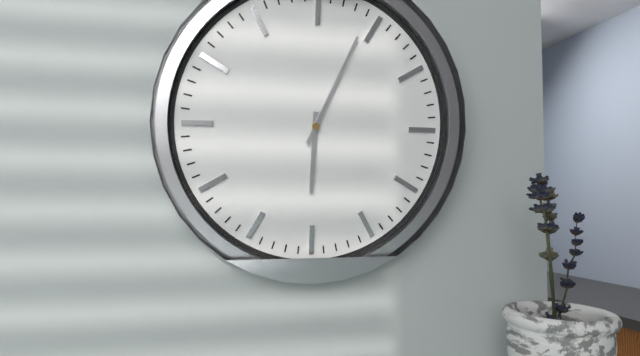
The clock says {"hour": 6, "minute": 4}
